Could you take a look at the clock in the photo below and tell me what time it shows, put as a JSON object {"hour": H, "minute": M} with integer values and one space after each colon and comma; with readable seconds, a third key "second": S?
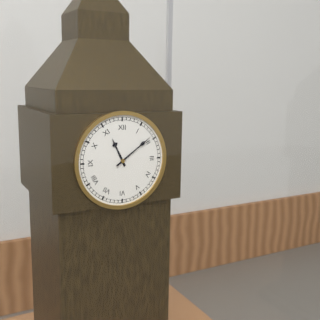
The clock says {"hour": 11, "minute": 9}
